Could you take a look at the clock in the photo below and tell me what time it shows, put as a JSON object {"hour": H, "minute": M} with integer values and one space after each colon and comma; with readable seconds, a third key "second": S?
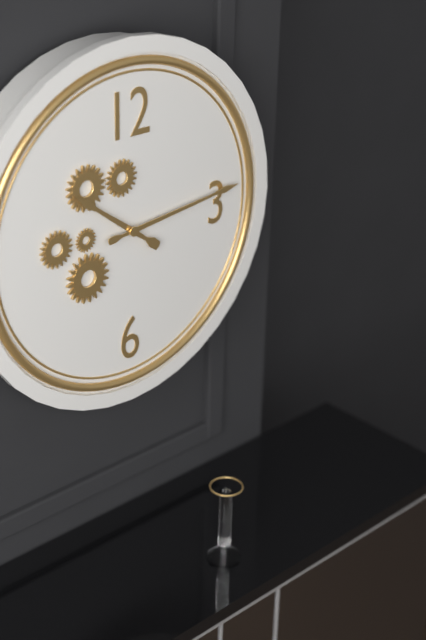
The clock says {"hour": 10, "minute": 14}
